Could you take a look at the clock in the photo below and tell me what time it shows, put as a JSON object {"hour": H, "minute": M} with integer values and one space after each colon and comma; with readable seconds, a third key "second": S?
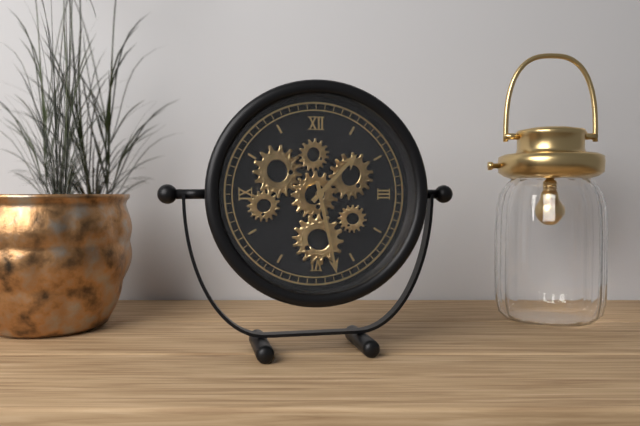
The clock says {"hour": 1, "minute": 28}
